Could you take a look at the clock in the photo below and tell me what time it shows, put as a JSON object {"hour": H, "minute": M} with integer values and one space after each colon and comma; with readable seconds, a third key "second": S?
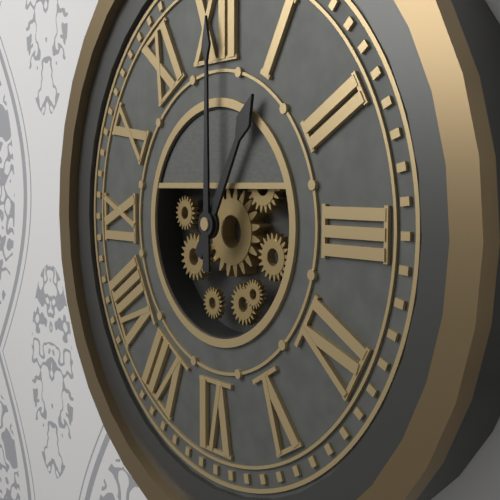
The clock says {"hour": 1, "minute": 0}
